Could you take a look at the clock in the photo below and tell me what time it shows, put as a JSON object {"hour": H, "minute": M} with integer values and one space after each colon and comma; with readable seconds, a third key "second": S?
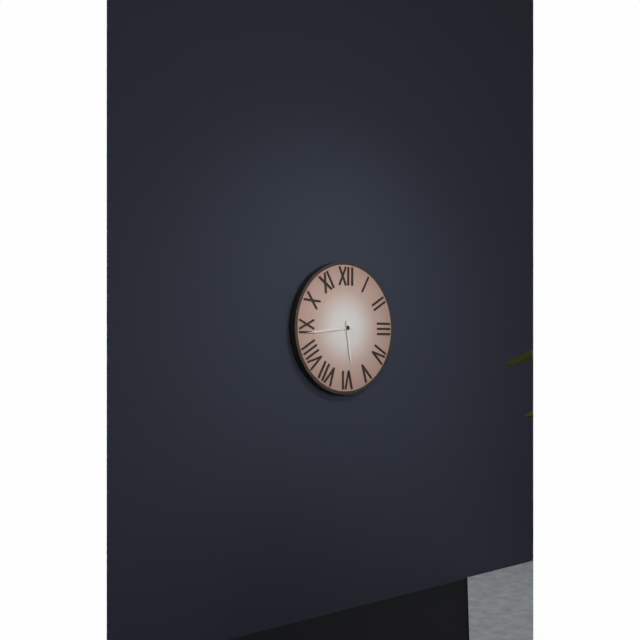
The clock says {"hour": 5, "minute": 44}
